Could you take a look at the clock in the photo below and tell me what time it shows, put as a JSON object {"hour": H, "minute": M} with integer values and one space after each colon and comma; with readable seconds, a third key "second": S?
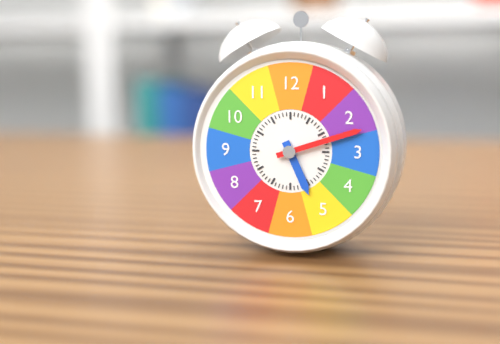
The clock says {"hour": 5, "minute": 12}
